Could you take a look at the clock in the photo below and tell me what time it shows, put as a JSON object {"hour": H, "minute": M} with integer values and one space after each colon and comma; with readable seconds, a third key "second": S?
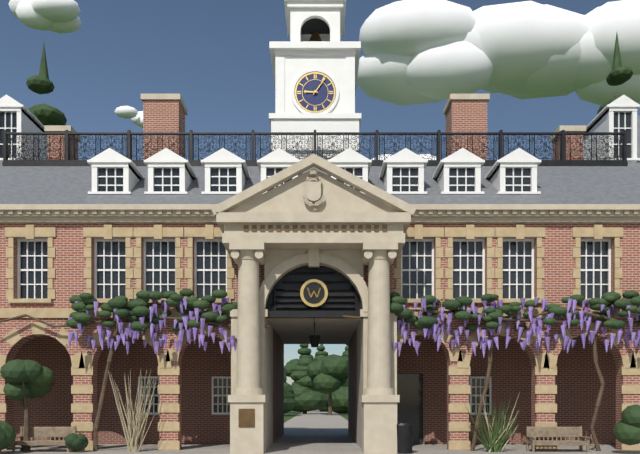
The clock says {"hour": 9, "minute": 6}
